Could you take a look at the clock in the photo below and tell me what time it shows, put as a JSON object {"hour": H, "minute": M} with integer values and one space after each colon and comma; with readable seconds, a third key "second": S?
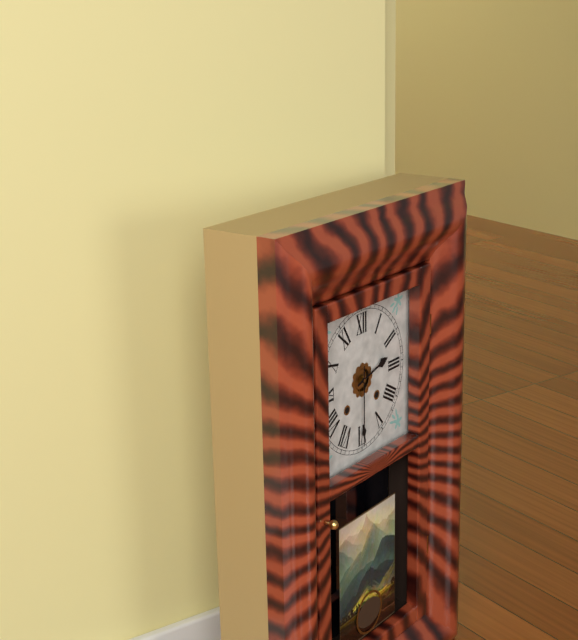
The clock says {"hour": 2, "minute": 30}
